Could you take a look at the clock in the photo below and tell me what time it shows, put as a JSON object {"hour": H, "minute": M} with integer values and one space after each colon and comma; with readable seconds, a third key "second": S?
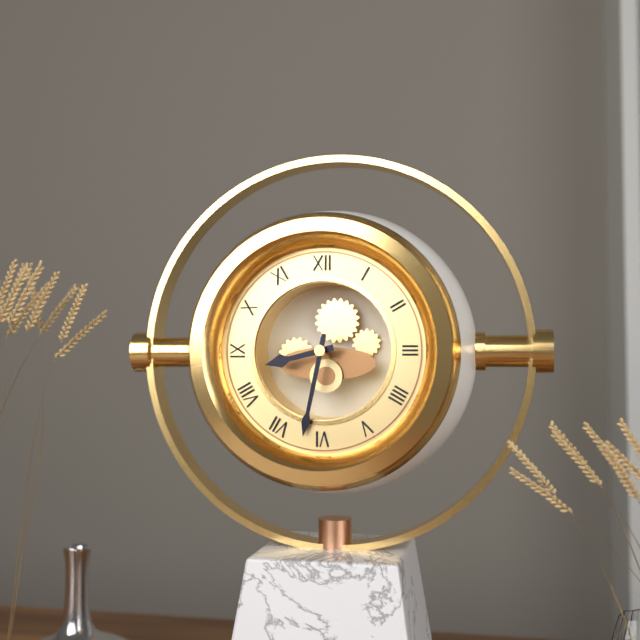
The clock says {"hour": 8, "minute": 32}
